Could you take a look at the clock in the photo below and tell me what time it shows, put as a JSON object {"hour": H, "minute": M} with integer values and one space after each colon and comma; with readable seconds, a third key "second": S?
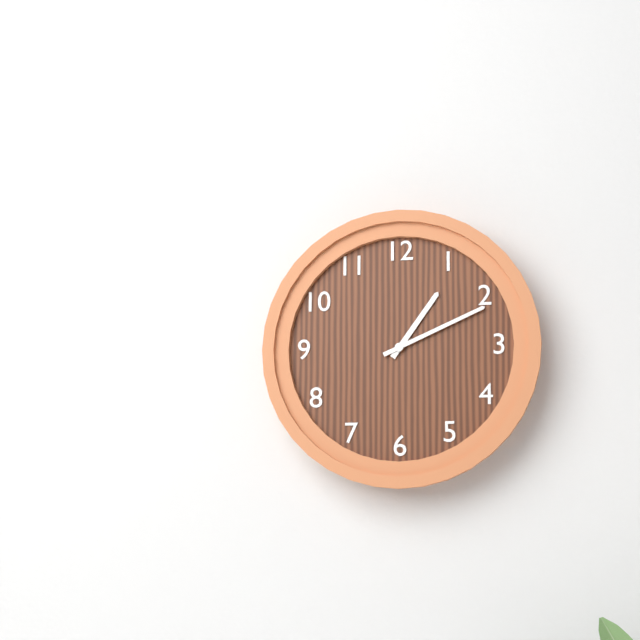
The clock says {"hour": 1, "minute": 11}
